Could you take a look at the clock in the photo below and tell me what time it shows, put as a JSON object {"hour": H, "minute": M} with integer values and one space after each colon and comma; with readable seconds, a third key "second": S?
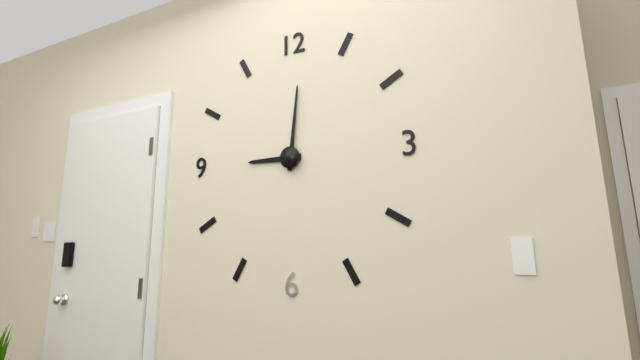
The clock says {"hour": 9, "minute": 1}
